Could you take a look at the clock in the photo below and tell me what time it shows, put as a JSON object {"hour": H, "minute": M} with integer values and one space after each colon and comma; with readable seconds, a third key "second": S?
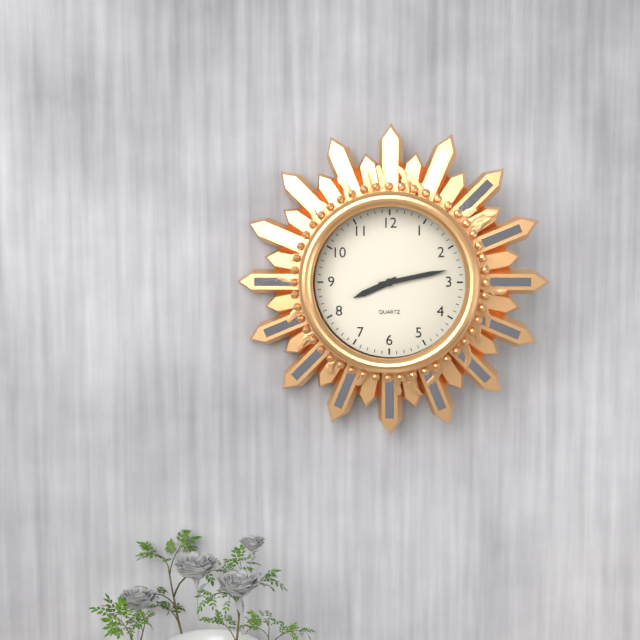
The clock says {"hour": 8, "minute": 13}
